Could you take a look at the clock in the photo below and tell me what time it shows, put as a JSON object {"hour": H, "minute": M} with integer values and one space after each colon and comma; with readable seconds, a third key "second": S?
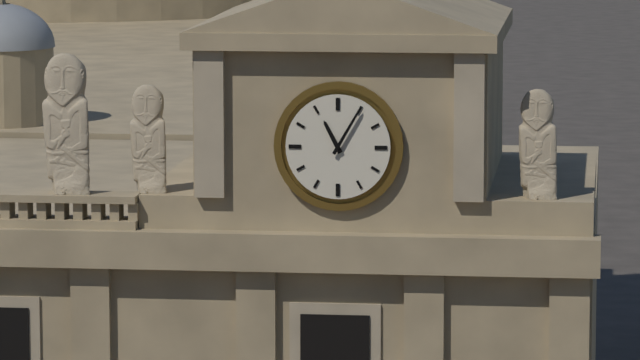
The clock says {"hour": 11, "minute": 5}
